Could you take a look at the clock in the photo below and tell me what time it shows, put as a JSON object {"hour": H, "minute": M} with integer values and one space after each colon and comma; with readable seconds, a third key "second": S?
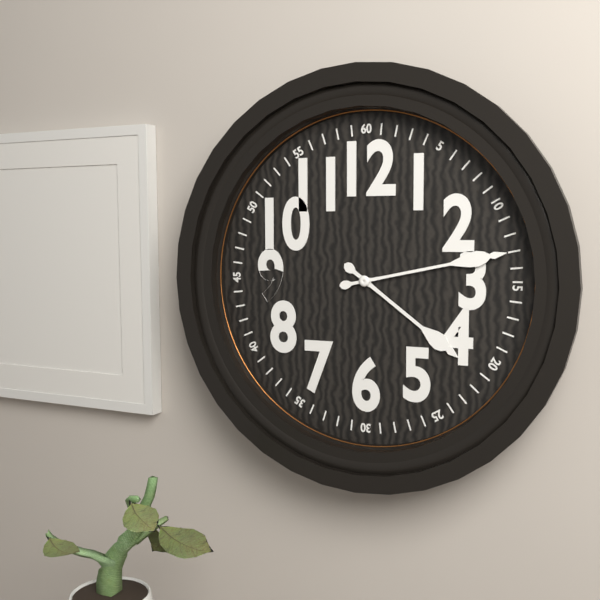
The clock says {"hour": 4, "minute": 13}
